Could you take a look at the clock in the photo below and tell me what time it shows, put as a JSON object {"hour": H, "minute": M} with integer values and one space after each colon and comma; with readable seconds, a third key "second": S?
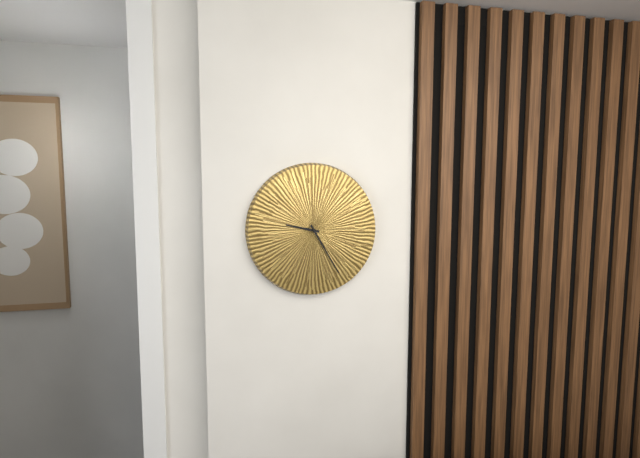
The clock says {"hour": 9, "minute": 25}
